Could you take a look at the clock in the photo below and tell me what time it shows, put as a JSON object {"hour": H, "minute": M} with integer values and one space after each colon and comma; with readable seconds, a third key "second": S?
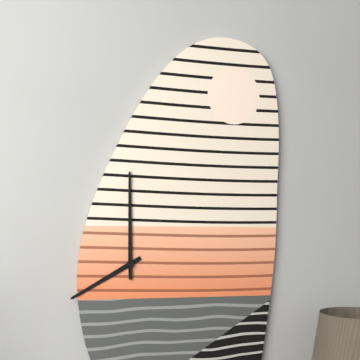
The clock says {"hour": 8, "minute": 0}
